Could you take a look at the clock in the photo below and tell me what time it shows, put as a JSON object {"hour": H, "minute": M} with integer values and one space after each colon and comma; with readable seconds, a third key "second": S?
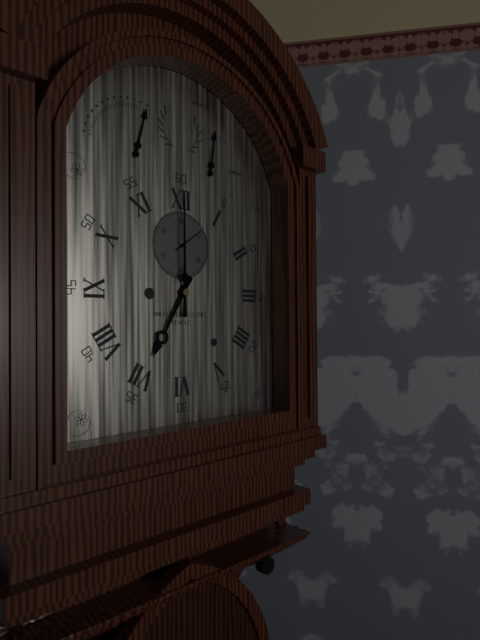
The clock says {"hour": 7, "minute": 0}
